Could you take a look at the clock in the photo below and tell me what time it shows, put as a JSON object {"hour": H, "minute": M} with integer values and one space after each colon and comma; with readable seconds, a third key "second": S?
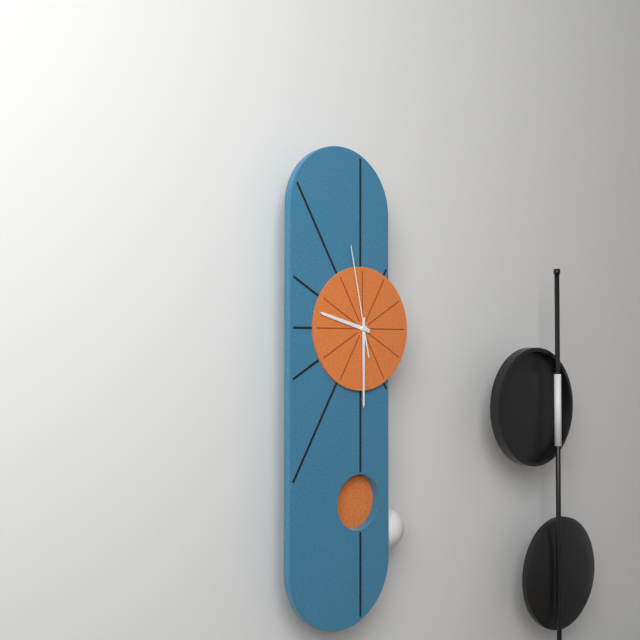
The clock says {"hour": 9, "minute": 30, "second": 58}
